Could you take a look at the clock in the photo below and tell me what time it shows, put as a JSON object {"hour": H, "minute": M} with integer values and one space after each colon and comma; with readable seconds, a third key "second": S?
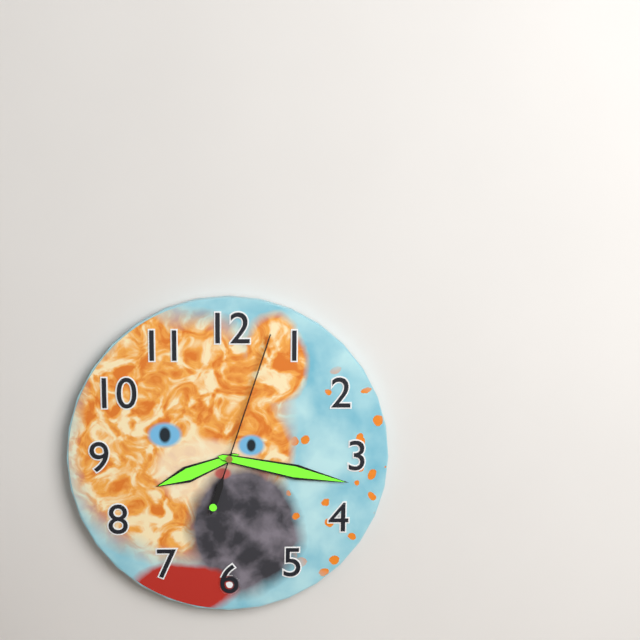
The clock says {"hour": 8, "minute": 17, "second": 3}
